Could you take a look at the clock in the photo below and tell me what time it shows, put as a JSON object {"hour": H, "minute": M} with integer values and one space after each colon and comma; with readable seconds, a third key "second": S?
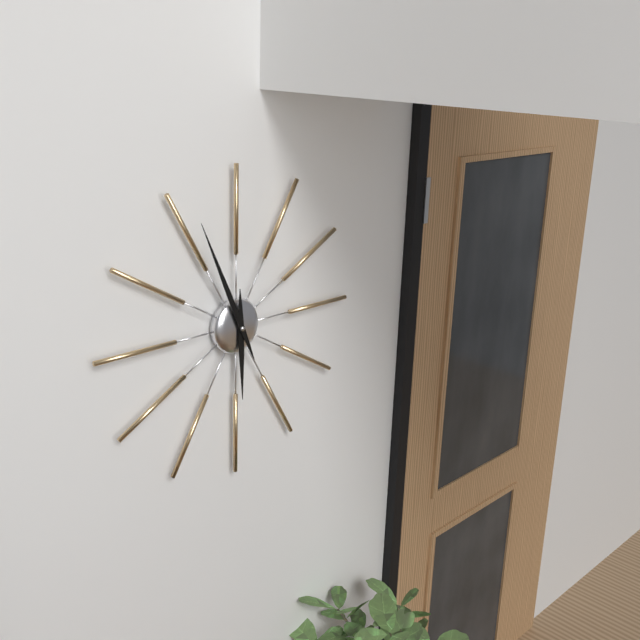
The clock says {"hour": 5, "minute": 56}
